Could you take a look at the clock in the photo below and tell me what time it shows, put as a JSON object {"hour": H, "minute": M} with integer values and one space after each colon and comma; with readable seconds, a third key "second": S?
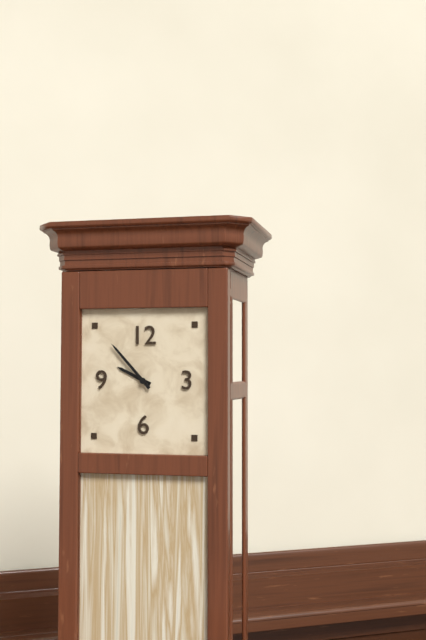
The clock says {"hour": 9, "minute": 53}
